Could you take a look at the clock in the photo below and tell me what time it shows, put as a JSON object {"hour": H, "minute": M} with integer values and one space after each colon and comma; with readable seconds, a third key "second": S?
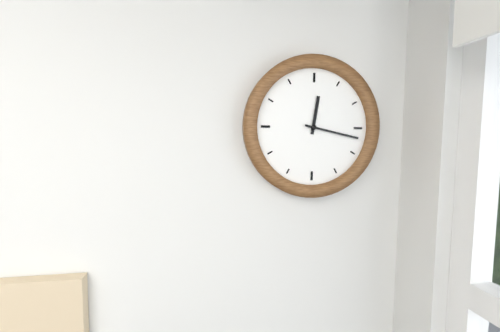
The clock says {"hour": 12, "minute": 17}
